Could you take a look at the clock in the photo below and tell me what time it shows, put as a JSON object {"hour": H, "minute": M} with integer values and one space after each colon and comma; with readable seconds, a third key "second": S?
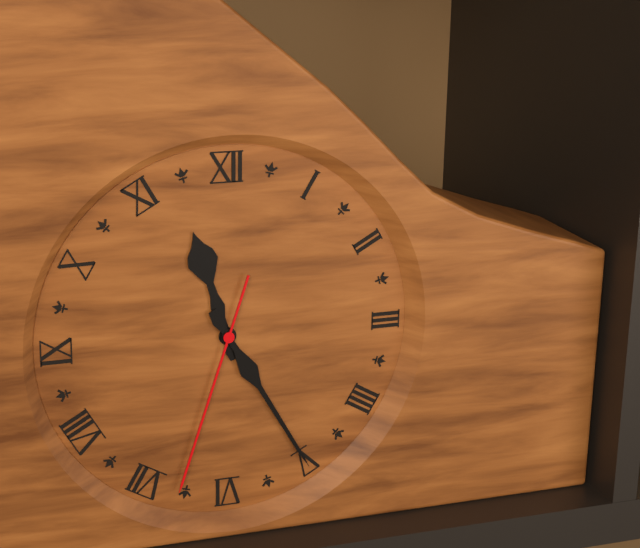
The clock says {"hour": 11, "minute": 25, "second": 33}
